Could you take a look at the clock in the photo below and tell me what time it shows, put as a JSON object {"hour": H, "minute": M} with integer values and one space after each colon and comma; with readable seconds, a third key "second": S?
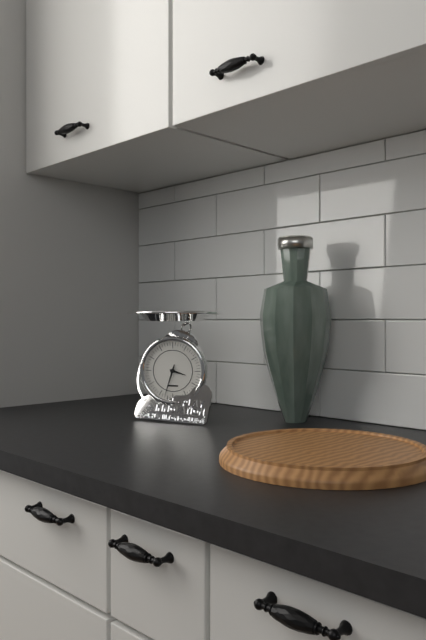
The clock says {"hour": 3, "minute": 33}
